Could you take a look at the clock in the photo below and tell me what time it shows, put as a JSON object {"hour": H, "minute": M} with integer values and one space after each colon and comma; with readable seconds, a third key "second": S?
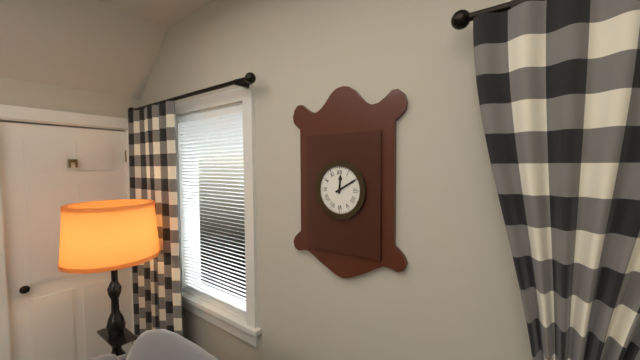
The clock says {"hour": 12, "minute": 10}
